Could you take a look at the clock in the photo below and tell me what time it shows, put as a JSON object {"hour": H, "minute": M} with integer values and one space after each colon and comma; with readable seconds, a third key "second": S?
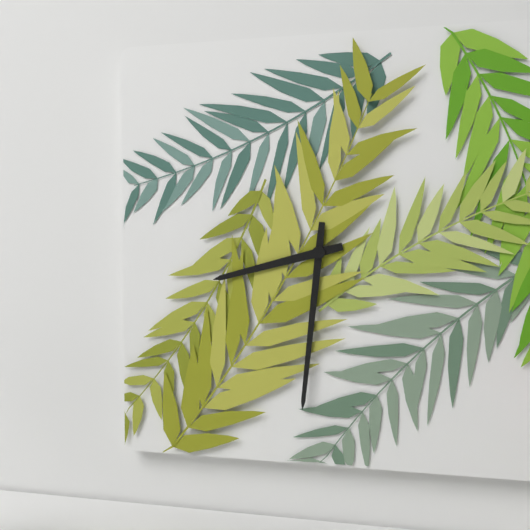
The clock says {"hour": 8, "minute": 31}
